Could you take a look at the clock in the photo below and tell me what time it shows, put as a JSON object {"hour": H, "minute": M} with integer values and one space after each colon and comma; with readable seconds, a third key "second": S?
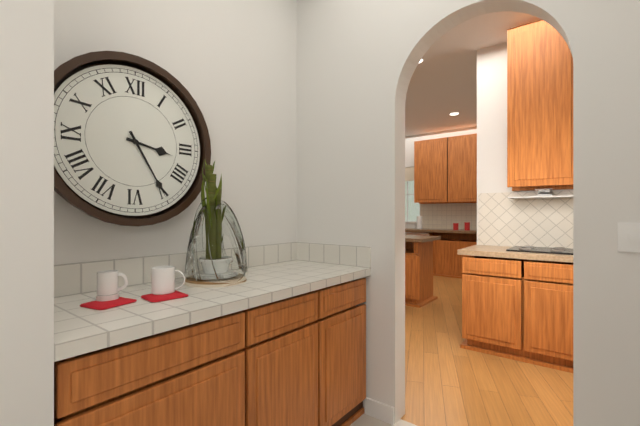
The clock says {"hour": 3, "minute": 25}
